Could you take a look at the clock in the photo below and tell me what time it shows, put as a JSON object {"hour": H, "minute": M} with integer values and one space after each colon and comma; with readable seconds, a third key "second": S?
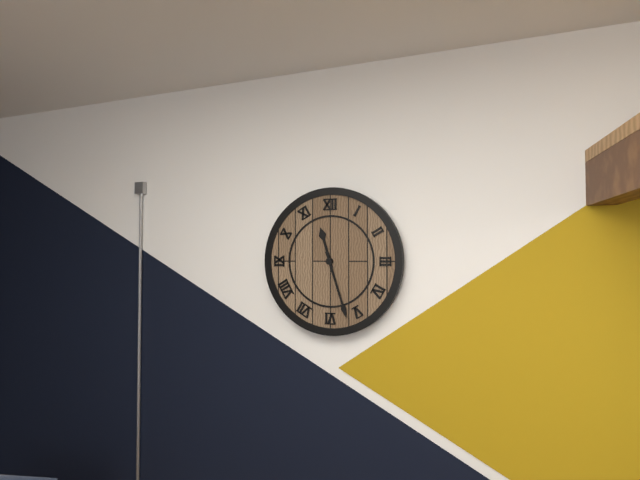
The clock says {"hour": 11, "minute": 27}
